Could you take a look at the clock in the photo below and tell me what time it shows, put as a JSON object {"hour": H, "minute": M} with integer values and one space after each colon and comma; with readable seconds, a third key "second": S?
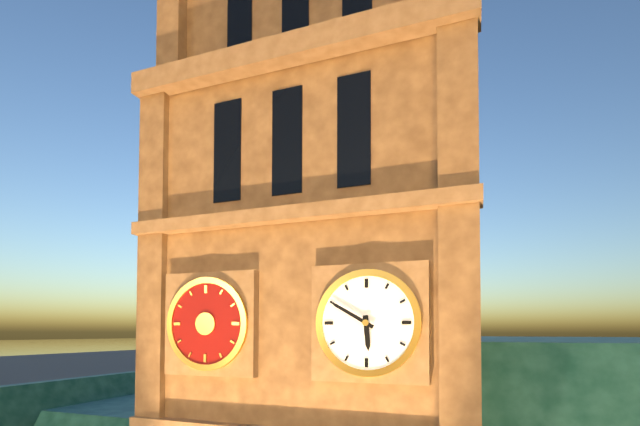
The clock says {"hour": 5, "minute": 50}
